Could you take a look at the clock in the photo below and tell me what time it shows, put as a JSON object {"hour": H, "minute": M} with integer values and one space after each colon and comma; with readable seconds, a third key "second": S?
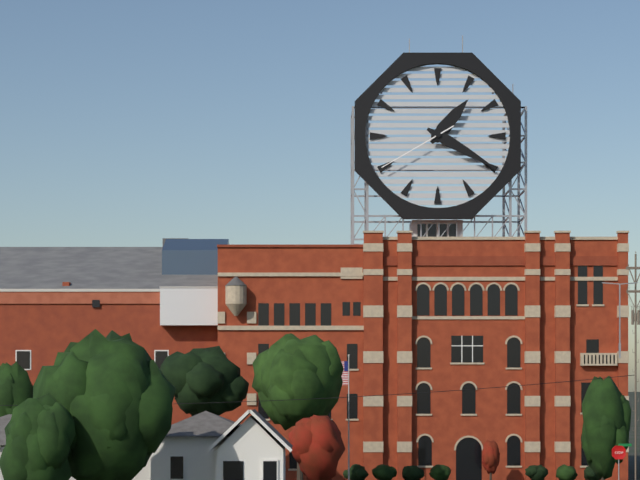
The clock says {"hour": 1, "minute": 20, "second": 40}
